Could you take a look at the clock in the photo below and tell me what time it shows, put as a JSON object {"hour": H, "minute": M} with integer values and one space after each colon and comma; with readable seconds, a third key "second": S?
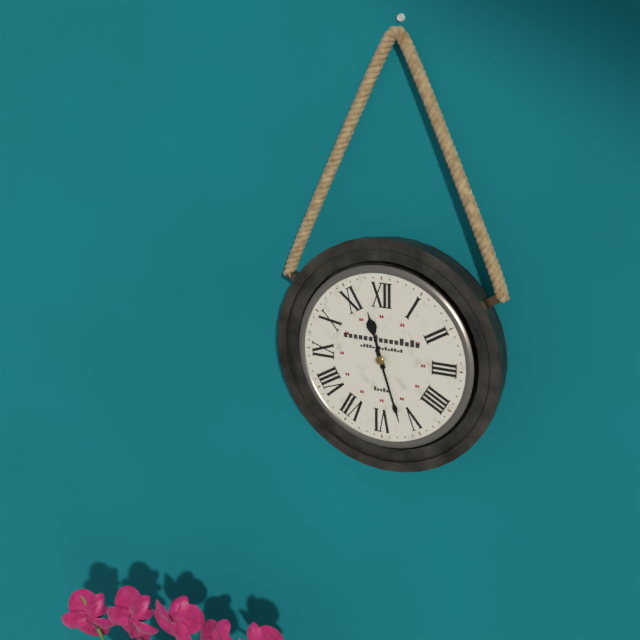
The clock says {"hour": 11, "minute": 27}
